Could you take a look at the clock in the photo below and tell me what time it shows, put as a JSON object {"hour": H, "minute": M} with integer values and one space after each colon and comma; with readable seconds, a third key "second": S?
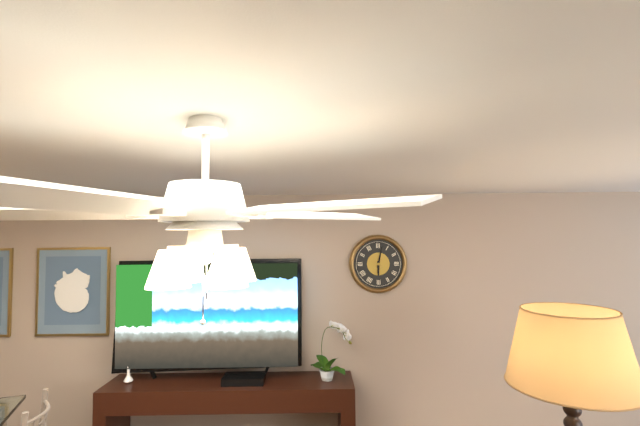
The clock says {"hour": 6, "minute": 2}
